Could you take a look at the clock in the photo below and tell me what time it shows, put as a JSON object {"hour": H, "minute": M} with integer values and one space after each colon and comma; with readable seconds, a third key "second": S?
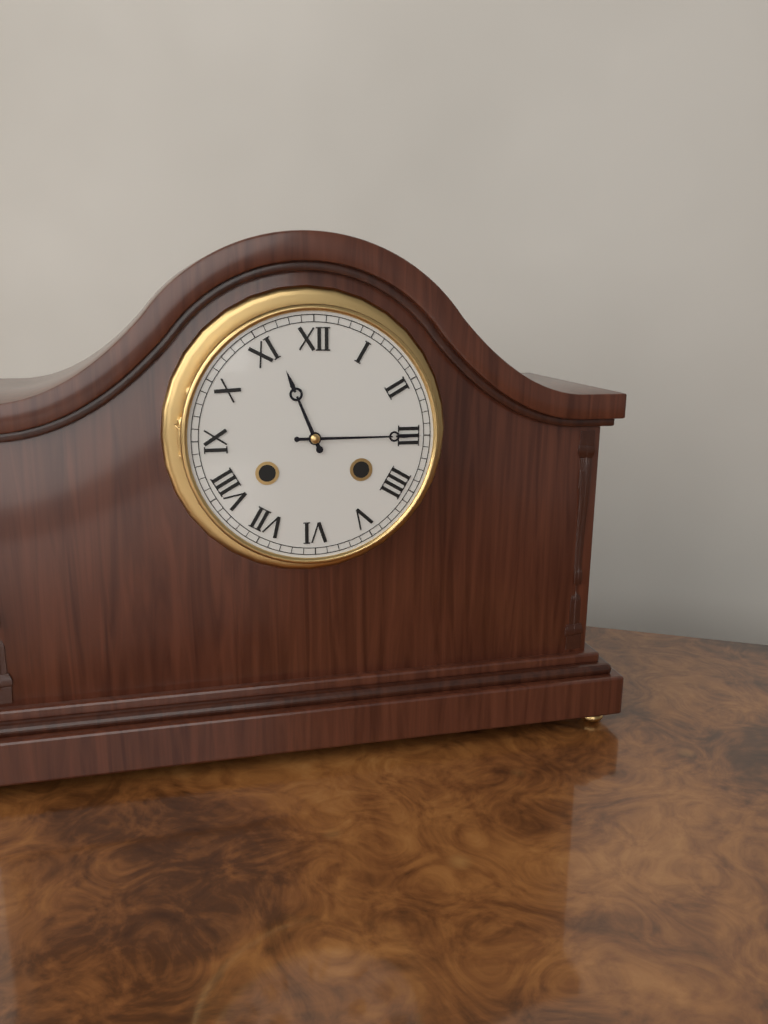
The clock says {"hour": 11, "minute": 15}
